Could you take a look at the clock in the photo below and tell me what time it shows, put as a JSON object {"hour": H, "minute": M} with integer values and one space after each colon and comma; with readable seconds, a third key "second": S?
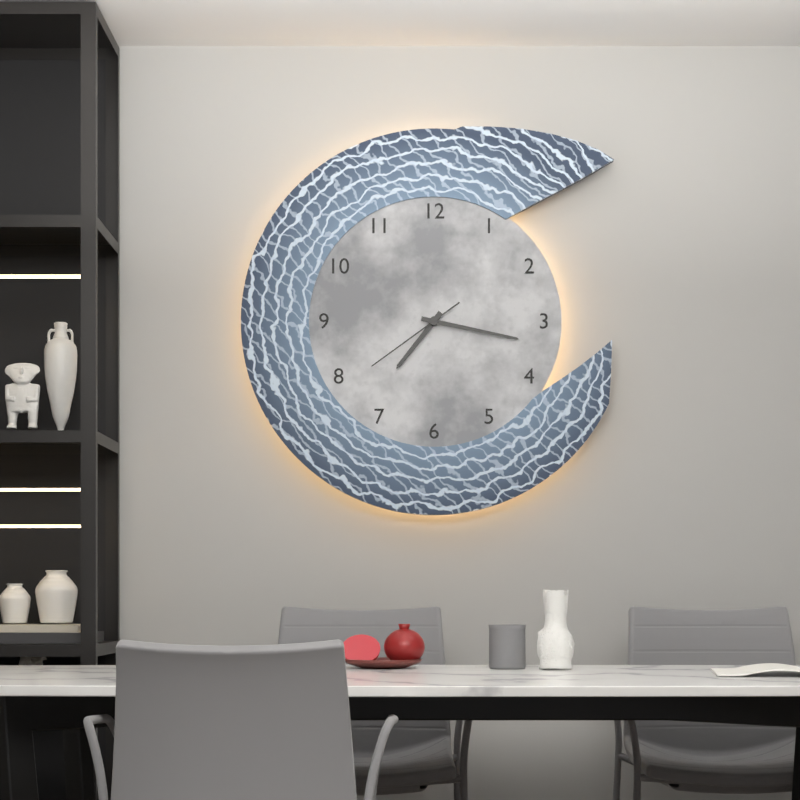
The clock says {"hour": 7, "minute": 17, "second": 39}
